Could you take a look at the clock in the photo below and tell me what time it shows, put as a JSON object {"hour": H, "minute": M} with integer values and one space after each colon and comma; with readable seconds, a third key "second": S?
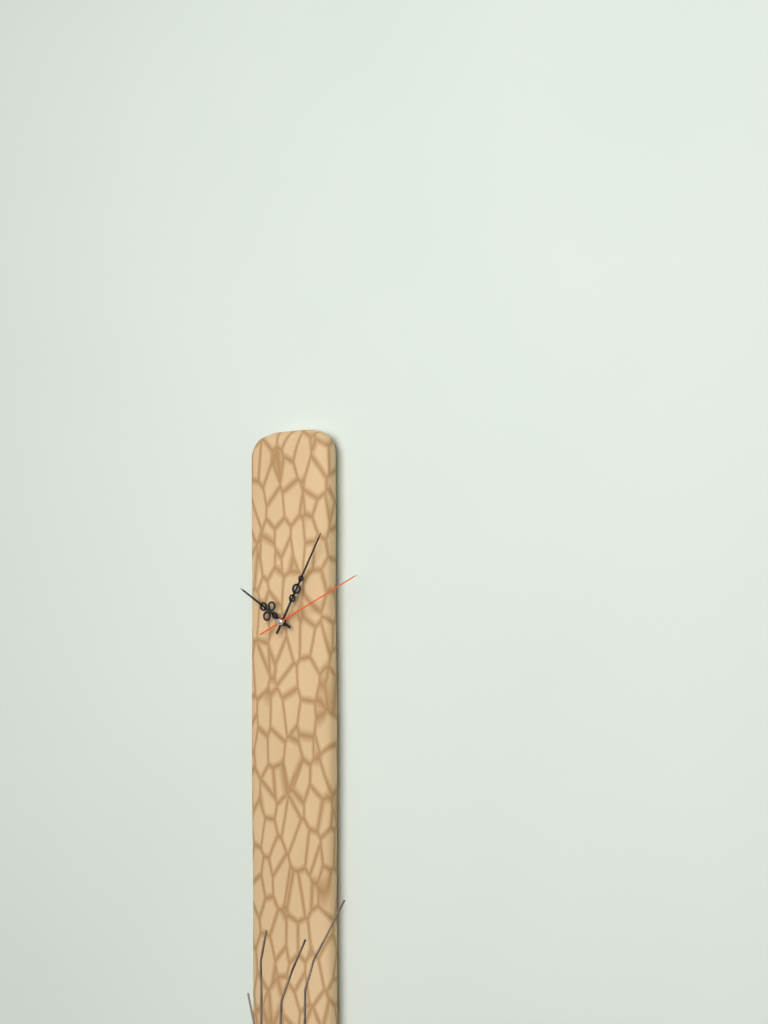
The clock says {"hour": 10, "minute": 5, "second": 11}
